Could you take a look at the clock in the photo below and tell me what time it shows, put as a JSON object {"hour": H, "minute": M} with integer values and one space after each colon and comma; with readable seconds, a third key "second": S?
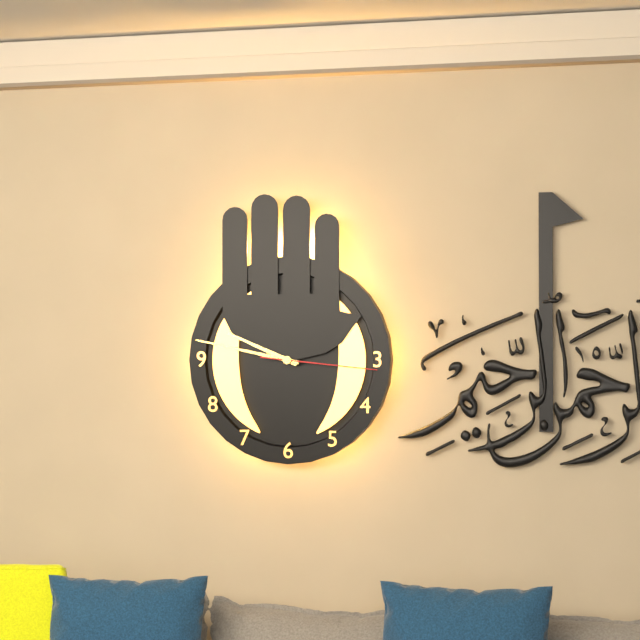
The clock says {"hour": 9, "minute": 47, "second": 16}
